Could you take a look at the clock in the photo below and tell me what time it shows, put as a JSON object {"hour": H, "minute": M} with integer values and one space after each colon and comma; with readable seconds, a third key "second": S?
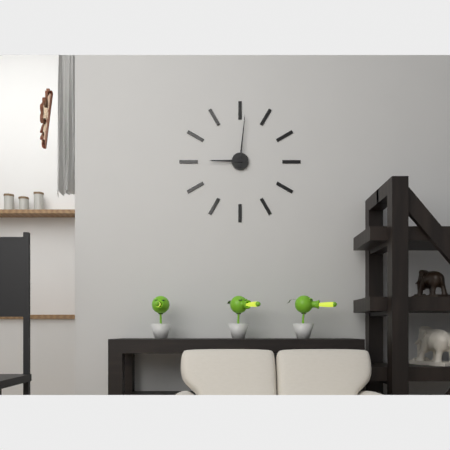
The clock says {"hour": 9, "minute": 1}
